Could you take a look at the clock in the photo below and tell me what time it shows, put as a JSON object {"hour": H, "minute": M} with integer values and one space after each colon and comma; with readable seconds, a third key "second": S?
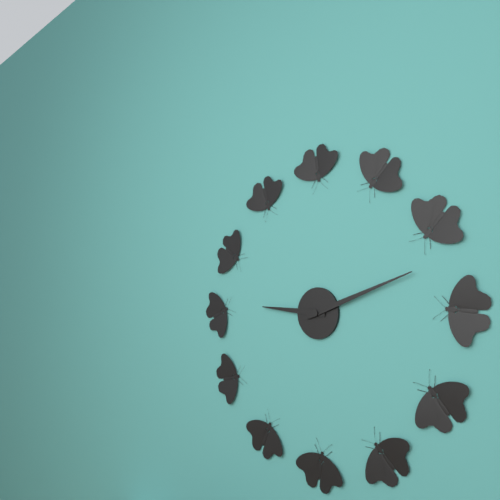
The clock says {"hour": 9, "minute": 12}
